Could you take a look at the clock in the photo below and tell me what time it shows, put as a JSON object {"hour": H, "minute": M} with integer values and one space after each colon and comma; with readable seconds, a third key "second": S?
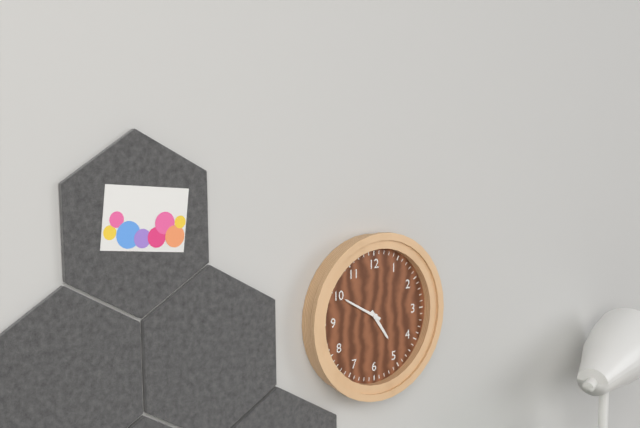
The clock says {"hour": 4, "minute": 50}
